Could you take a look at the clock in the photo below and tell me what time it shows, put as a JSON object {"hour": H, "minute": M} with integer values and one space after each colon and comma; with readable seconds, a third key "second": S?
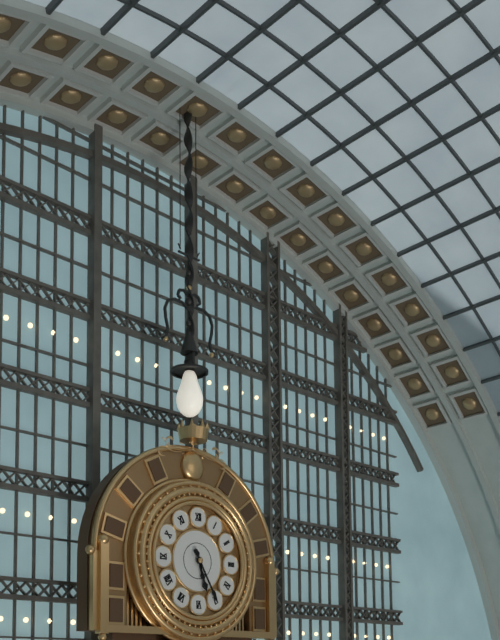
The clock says {"hour": 5, "minute": 25}
